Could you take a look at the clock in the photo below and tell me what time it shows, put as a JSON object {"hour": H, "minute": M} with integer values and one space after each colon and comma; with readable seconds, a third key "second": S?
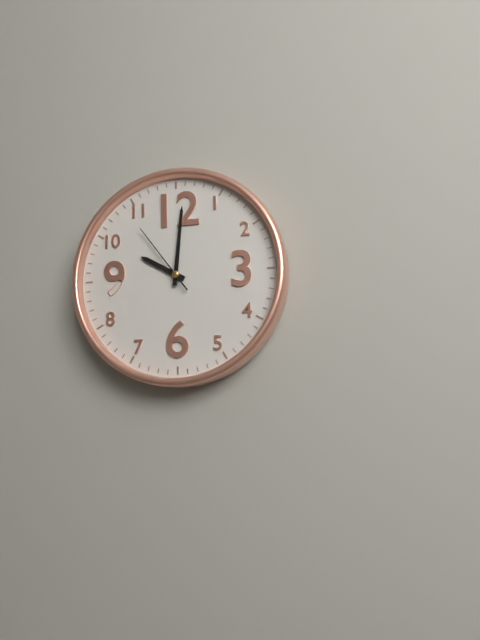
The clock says {"hour": 10, "minute": 1, "second": 54}
